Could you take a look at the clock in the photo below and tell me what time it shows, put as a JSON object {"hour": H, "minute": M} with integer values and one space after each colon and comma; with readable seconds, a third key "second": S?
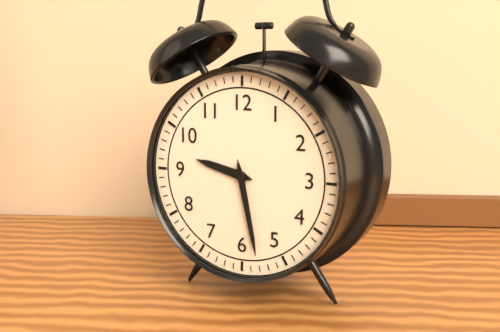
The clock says {"hour": 9, "minute": 28}
